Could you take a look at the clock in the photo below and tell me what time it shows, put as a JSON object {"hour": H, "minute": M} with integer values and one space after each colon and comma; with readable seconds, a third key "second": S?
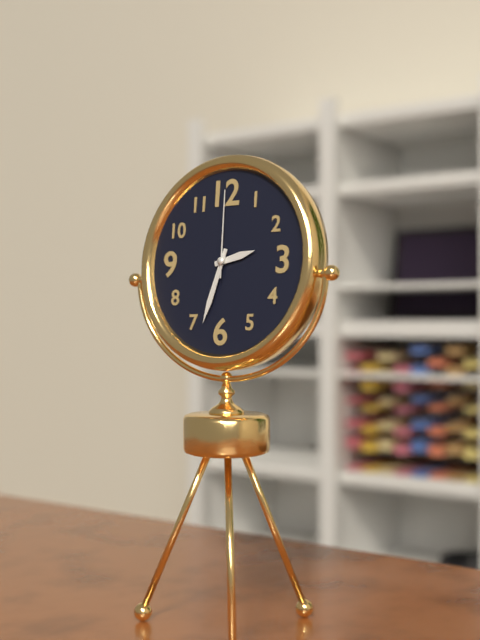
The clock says {"hour": 2, "minute": 33, "second": 0}
